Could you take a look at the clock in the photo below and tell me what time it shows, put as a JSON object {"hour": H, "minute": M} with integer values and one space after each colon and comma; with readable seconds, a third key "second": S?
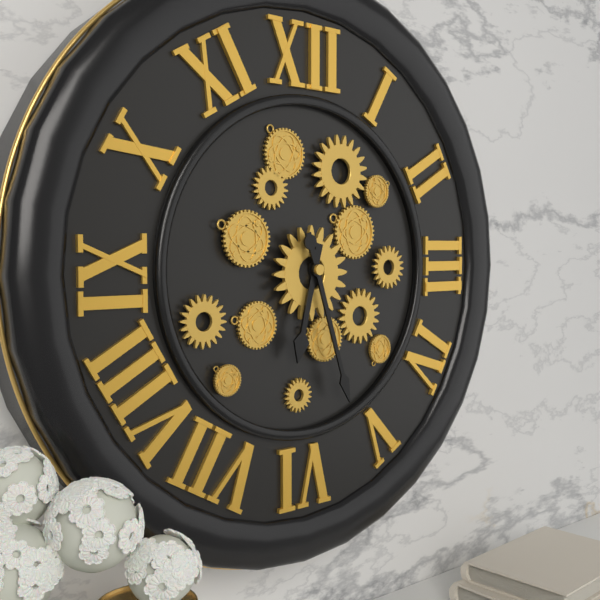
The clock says {"hour": 6, "minute": 27}
